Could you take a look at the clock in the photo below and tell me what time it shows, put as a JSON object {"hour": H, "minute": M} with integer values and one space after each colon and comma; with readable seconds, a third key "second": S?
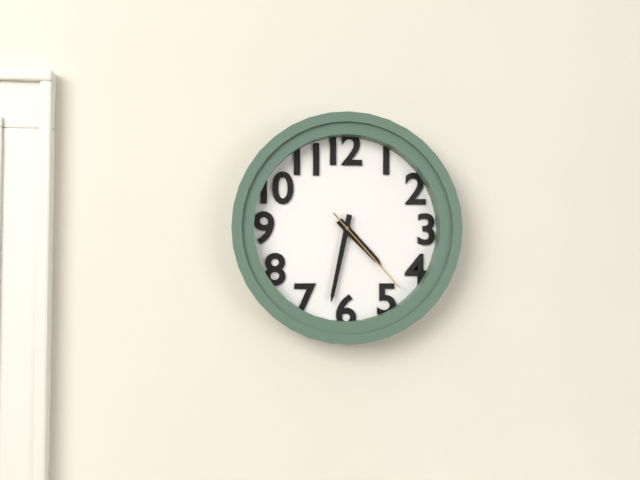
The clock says {"hour": 4, "minute": 32, "second": 23}
